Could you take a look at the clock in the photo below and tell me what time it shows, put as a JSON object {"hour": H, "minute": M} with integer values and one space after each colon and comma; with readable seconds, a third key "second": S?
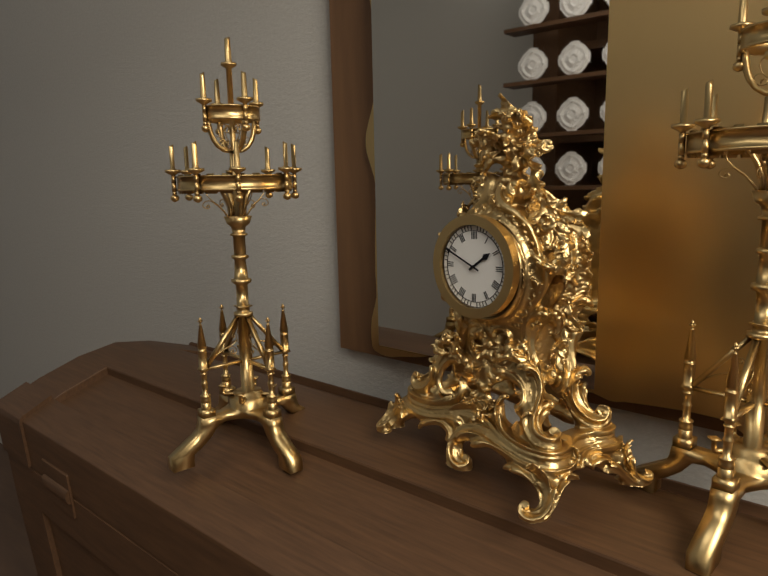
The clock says {"hour": 1, "minute": 49}
